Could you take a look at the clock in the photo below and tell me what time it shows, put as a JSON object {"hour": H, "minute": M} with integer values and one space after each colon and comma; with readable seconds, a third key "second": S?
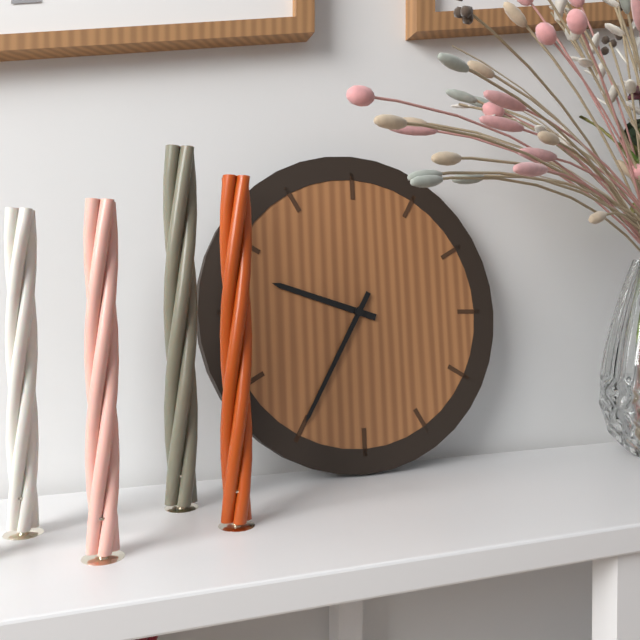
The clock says {"hour": 9, "minute": 35}
